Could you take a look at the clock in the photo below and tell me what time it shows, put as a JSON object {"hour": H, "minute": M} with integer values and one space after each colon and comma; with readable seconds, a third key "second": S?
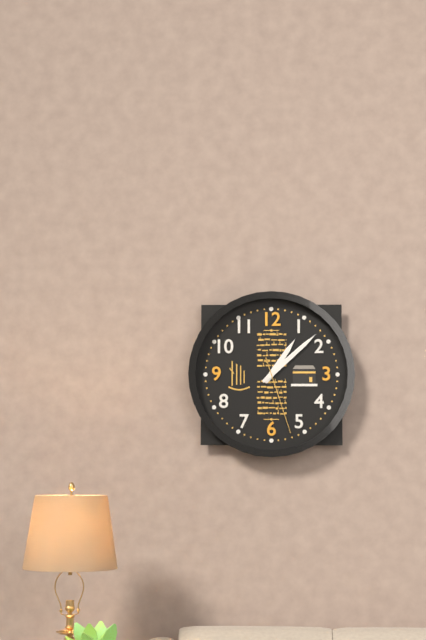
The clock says {"hour": 1, "minute": 8, "second": 27}
